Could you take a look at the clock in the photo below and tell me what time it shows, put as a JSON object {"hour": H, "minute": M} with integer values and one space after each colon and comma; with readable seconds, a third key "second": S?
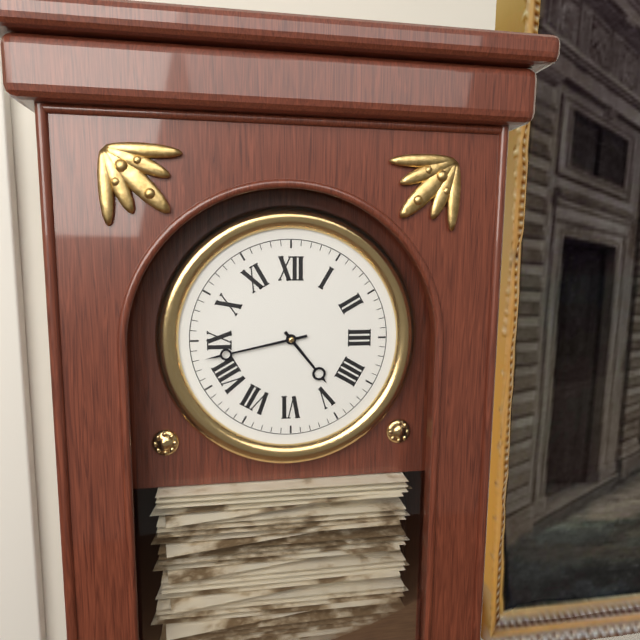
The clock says {"hour": 4, "minute": 43}
